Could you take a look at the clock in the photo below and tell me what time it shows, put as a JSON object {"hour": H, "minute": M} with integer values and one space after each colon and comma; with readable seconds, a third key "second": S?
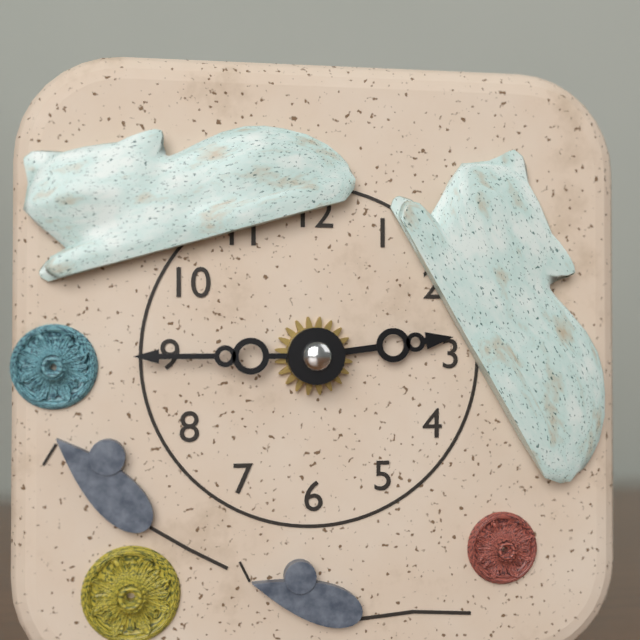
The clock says {"hour": 2, "minute": 45}
